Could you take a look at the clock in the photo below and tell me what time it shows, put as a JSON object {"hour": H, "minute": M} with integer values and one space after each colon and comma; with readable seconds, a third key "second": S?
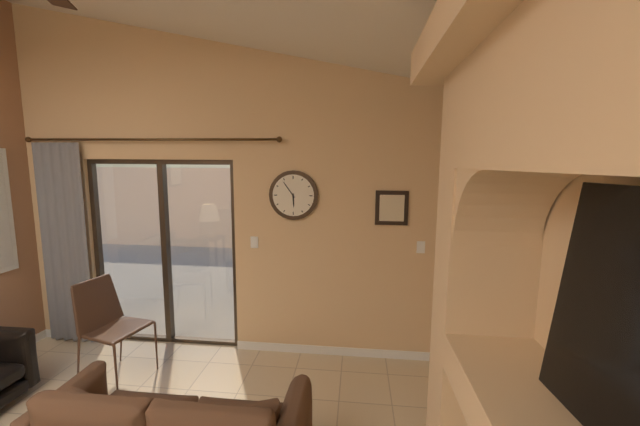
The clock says {"hour": 5, "minute": 54}
